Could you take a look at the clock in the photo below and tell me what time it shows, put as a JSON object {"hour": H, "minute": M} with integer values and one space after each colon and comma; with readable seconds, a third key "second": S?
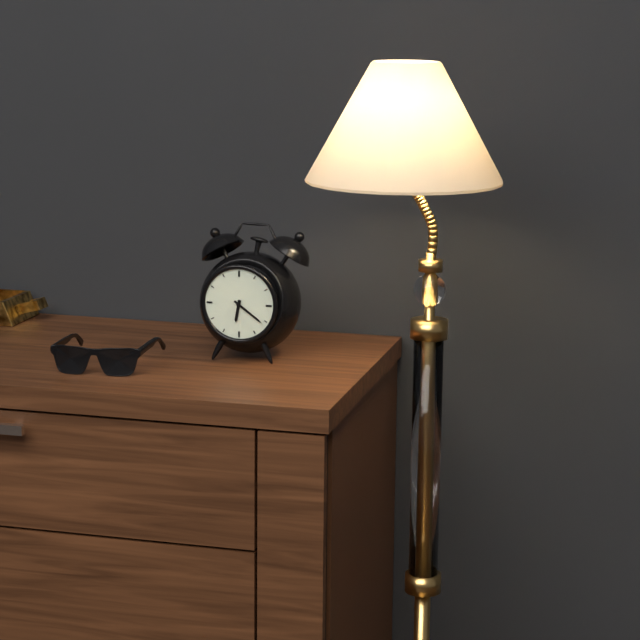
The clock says {"hour": 6, "minute": 21}
